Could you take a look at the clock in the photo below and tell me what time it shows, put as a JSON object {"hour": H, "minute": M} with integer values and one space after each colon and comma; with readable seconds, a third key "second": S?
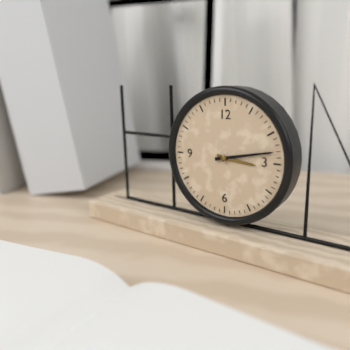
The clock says {"hour": 3, "minute": 13}
